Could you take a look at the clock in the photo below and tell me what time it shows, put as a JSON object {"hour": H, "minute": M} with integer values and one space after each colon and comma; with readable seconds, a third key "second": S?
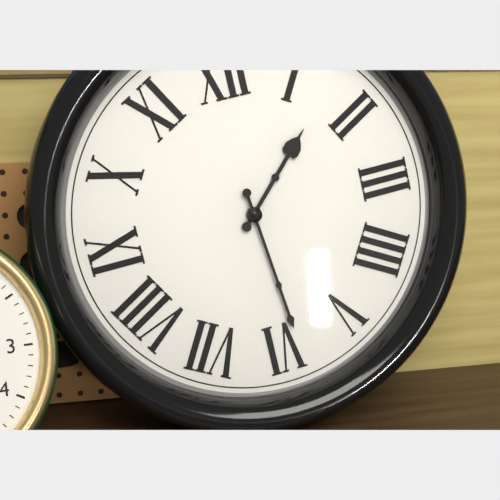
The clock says {"hour": 1, "minute": 29}
